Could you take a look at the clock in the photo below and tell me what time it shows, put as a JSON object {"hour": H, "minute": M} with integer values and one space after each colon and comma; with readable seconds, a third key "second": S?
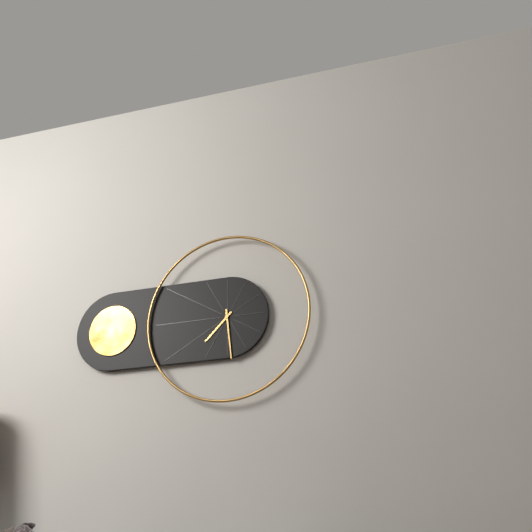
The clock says {"hour": 7, "minute": 29}
